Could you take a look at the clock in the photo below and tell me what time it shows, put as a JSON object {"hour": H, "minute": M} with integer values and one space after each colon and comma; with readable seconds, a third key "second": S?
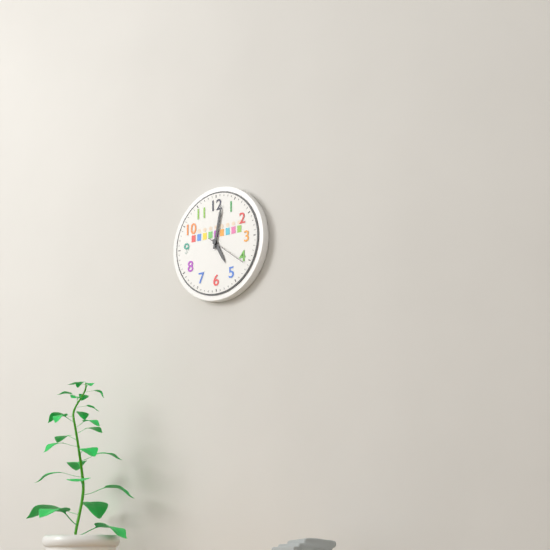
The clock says {"hour": 5, "minute": 2}
